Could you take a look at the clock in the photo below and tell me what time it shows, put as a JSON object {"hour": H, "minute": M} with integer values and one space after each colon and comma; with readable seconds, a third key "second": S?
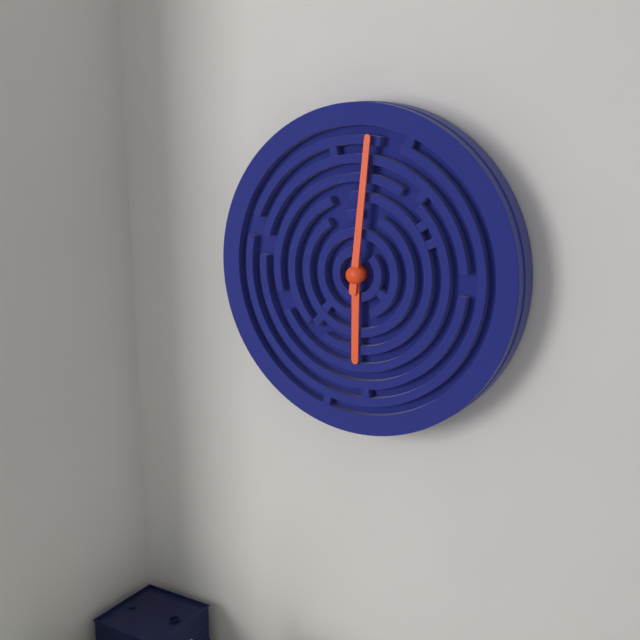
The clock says {"hour": 6, "minute": 1}
